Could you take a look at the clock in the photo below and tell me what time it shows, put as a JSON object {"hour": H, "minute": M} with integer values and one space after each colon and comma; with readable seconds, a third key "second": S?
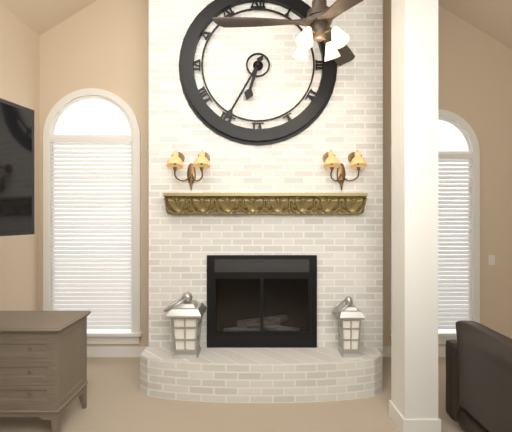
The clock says {"hour": 6, "minute": 35}
